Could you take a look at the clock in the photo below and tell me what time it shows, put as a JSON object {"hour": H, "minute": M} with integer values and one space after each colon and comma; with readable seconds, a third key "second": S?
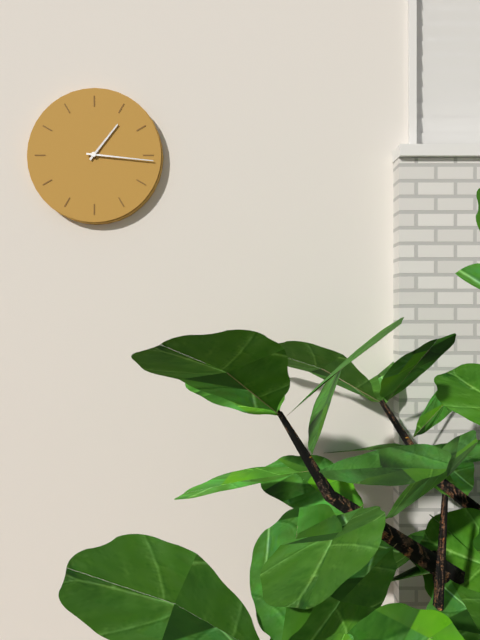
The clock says {"hour": 1, "minute": 16}
